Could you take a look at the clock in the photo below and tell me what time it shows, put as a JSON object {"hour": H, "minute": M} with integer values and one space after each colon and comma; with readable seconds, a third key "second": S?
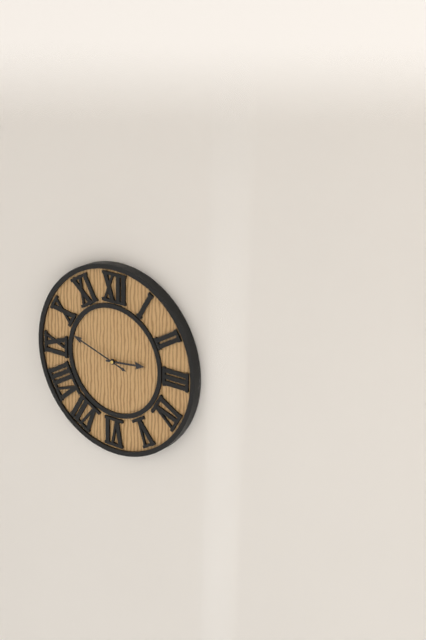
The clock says {"hour": 2, "minute": 48}
